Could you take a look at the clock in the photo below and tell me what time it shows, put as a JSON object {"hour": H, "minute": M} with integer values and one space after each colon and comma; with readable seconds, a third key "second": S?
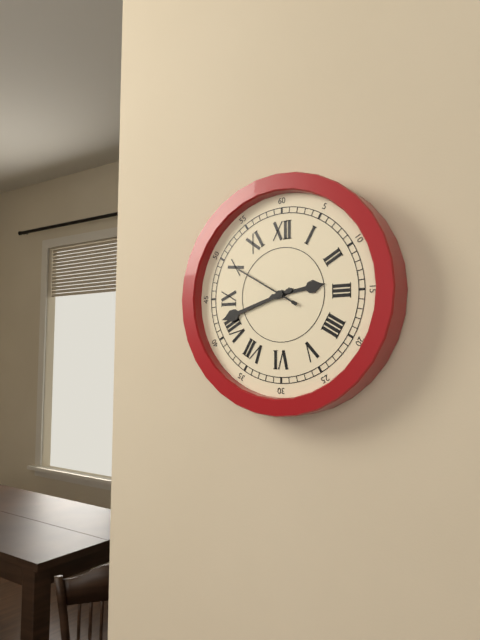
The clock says {"hour": 2, "minute": 42, "second": 50}
